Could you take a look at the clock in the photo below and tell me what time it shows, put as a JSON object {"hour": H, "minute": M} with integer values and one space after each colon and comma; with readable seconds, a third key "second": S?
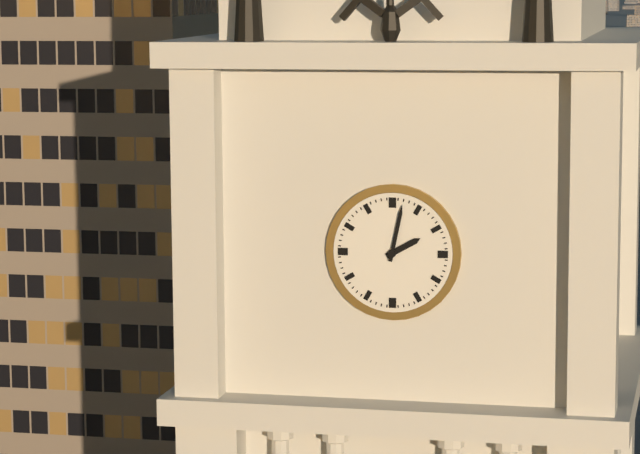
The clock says {"hour": 2, "minute": 2}
